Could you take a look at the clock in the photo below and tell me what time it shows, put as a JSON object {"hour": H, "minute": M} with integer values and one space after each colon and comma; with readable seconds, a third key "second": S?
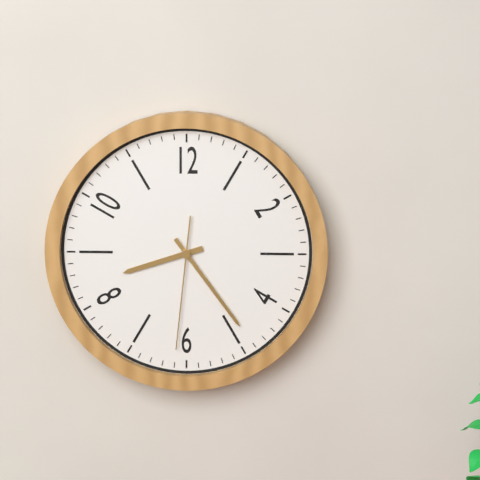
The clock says {"hour": 8, "minute": 24, "second": 31}
